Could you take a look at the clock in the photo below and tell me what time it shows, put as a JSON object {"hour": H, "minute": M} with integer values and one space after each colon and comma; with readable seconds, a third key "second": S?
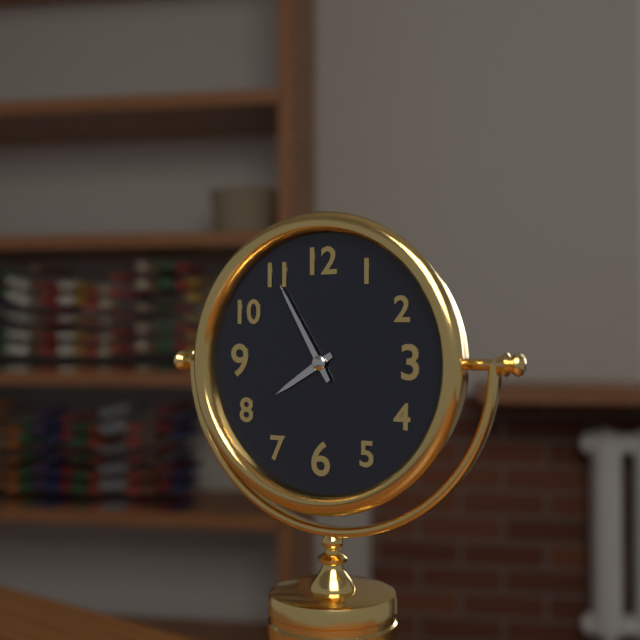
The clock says {"hour": 7, "minute": 55}
